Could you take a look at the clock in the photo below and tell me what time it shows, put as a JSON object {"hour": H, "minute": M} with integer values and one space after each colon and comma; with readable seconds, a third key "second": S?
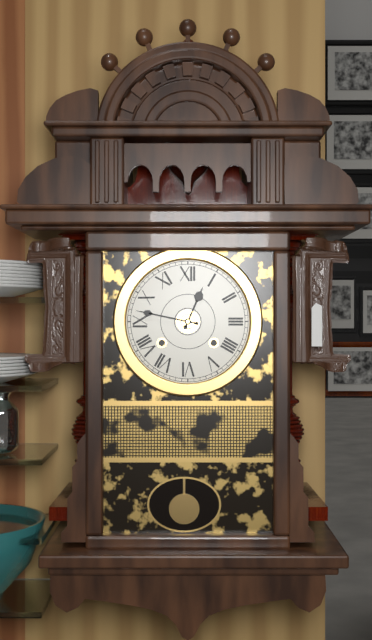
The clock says {"hour": 12, "minute": 47}
